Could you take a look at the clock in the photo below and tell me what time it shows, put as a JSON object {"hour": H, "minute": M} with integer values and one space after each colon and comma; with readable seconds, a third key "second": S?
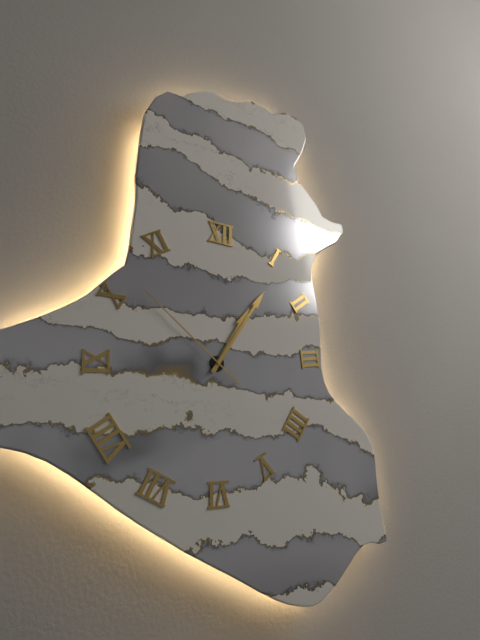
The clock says {"hour": 1, "minute": 6, "second": 52}
